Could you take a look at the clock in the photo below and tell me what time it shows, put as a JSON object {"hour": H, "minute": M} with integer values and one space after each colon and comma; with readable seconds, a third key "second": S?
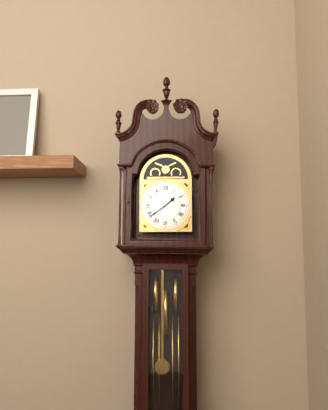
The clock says {"hour": 1, "minute": 39}
